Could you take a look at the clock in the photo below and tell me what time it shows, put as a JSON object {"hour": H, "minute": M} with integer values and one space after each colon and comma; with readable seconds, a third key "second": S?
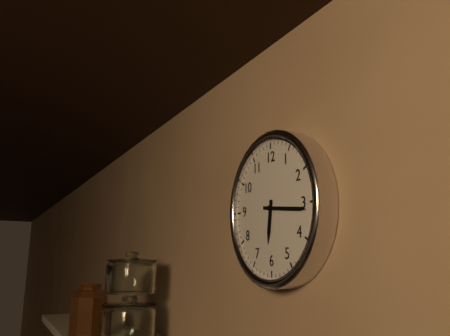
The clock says {"hour": 6, "minute": 16}
